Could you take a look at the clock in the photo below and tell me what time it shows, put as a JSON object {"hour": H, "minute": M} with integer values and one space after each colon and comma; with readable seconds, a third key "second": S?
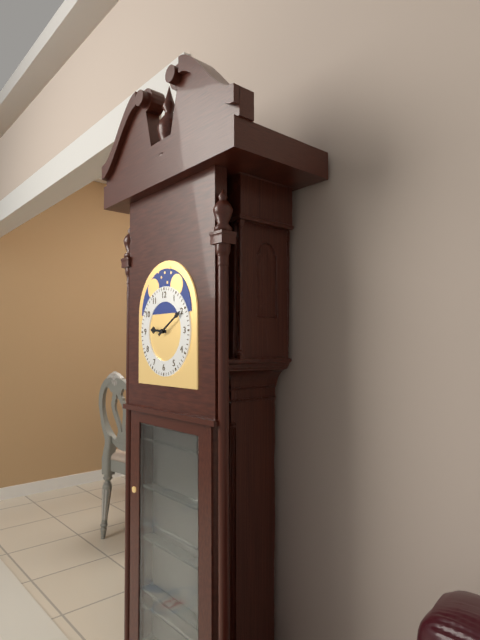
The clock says {"hour": 9, "minute": 10}
